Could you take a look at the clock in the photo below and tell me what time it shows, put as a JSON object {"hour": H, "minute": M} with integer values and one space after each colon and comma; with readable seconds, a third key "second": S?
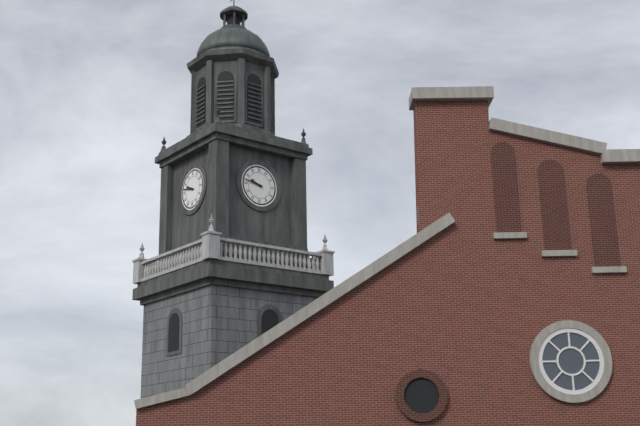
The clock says {"hour": 9, "minute": 47}
